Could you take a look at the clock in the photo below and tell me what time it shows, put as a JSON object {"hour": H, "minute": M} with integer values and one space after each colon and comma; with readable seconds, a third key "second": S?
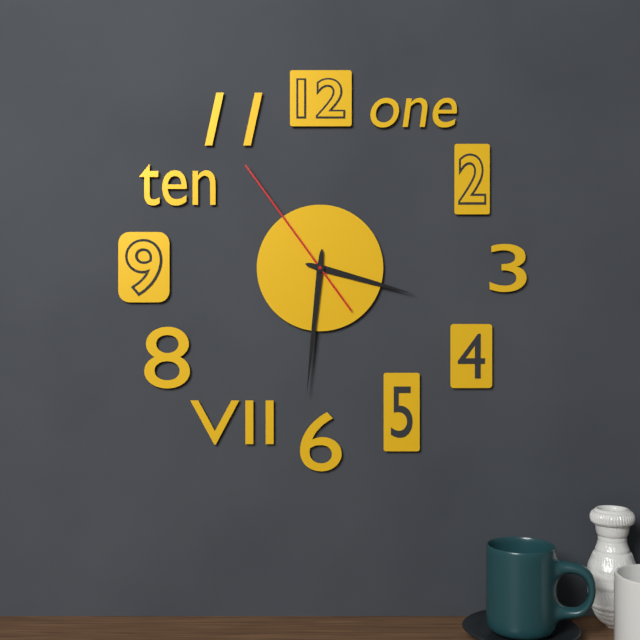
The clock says {"hour": 3, "minute": 31, "second": 54}
